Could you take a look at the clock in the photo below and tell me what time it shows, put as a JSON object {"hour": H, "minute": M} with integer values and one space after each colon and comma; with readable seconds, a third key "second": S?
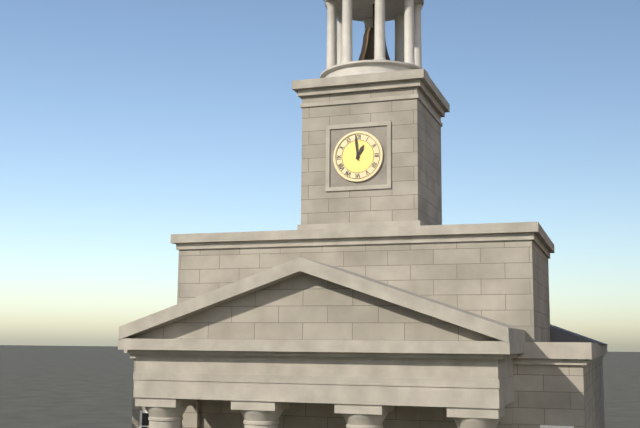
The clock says {"hour": 12, "minute": 59}
